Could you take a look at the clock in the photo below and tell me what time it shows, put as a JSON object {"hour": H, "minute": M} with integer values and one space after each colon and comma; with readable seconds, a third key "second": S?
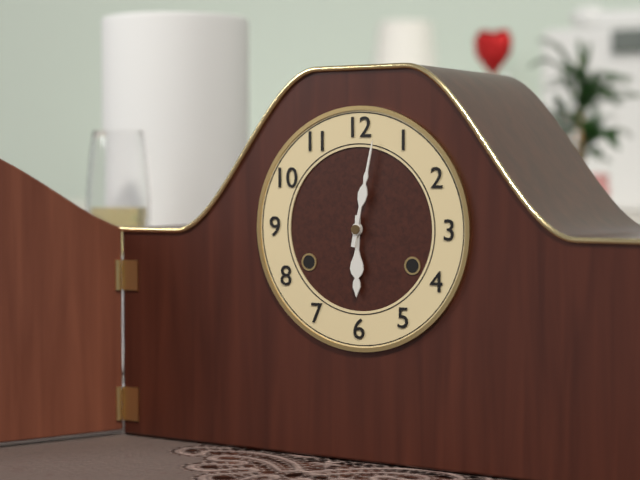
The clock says {"hour": 6, "minute": 2}
